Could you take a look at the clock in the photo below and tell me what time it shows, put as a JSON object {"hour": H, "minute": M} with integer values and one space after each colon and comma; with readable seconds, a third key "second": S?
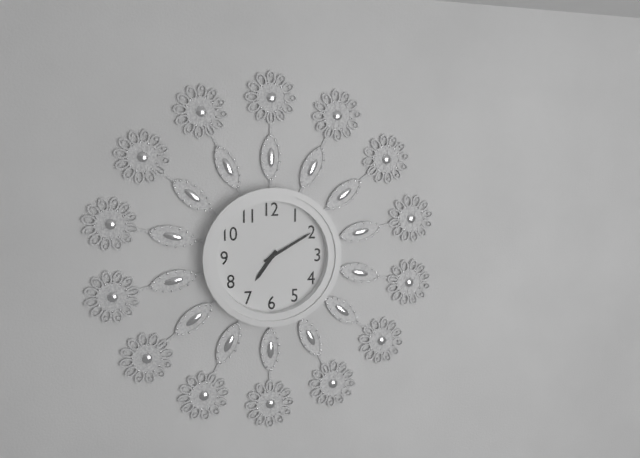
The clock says {"hour": 7, "minute": 10}
